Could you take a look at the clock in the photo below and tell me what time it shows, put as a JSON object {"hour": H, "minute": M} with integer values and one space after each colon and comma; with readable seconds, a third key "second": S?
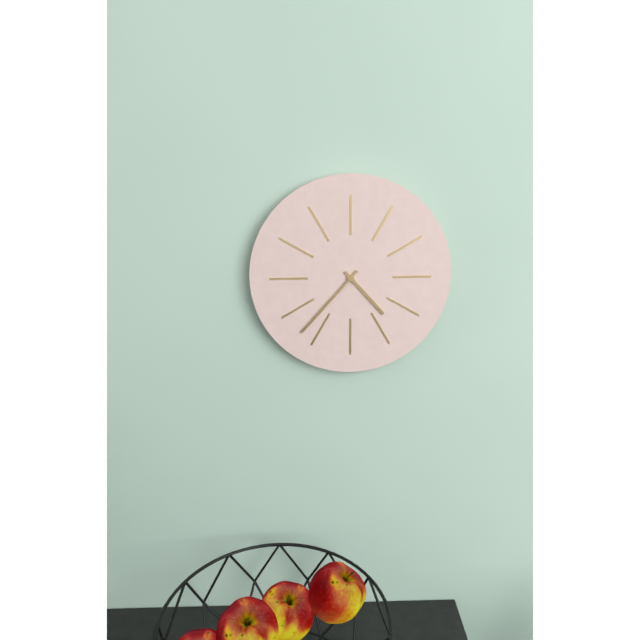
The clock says {"hour": 4, "minute": 37}
